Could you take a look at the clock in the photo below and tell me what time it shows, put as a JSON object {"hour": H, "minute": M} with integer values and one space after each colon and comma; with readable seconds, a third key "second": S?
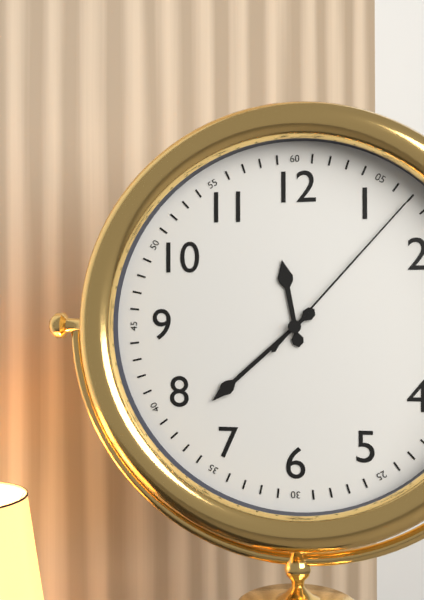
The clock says {"hour": 11, "minute": 38, "second": 7}
